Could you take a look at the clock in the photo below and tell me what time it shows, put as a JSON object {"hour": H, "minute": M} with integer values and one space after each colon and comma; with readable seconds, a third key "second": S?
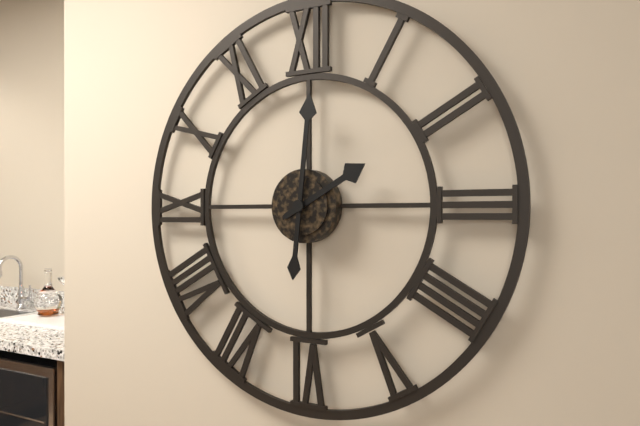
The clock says {"hour": 2, "minute": 1}
